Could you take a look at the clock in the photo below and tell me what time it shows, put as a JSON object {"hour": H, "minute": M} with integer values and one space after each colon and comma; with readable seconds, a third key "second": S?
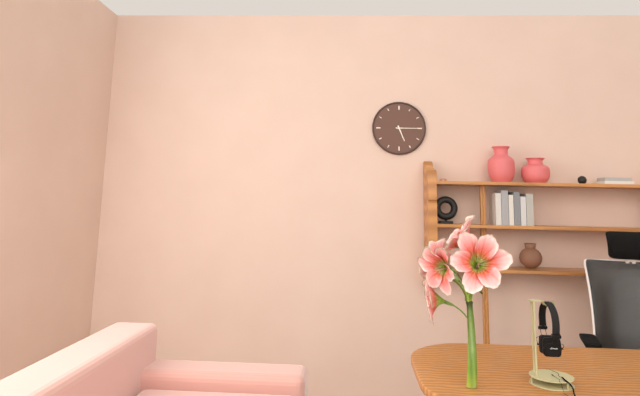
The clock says {"hour": 5, "minute": 15}
